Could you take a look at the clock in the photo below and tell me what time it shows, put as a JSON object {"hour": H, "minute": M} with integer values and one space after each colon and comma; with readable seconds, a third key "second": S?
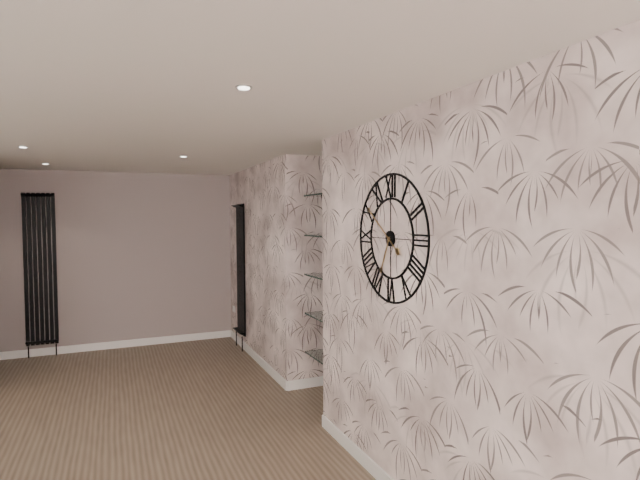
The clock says {"hour": 6, "minute": 51}
